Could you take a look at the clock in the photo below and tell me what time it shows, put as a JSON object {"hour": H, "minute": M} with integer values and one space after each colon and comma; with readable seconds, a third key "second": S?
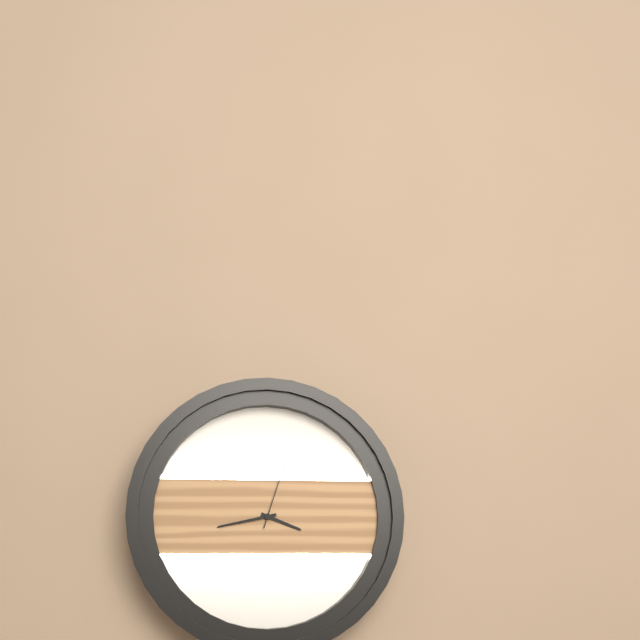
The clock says {"hour": 3, "minute": 43, "second": 3}
